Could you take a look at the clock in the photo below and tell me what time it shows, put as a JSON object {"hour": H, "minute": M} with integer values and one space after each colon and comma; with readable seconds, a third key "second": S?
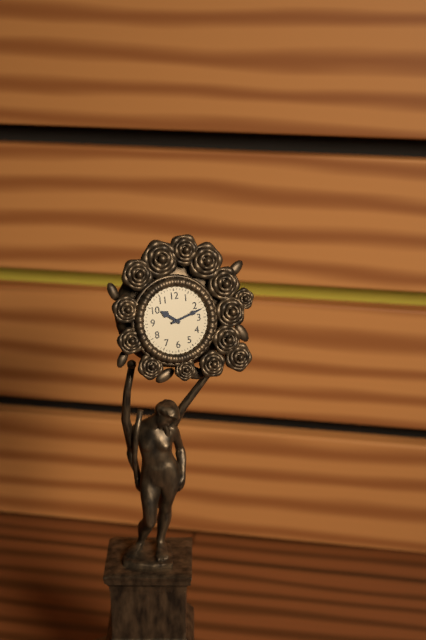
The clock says {"hour": 10, "minute": 12}
